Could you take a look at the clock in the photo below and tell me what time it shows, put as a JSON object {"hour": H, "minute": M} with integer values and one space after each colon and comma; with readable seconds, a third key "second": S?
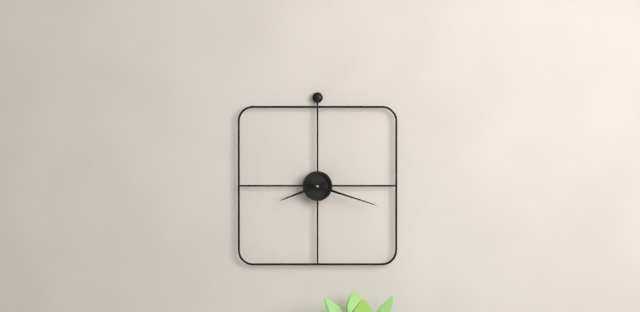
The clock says {"hour": 8, "minute": 18}
